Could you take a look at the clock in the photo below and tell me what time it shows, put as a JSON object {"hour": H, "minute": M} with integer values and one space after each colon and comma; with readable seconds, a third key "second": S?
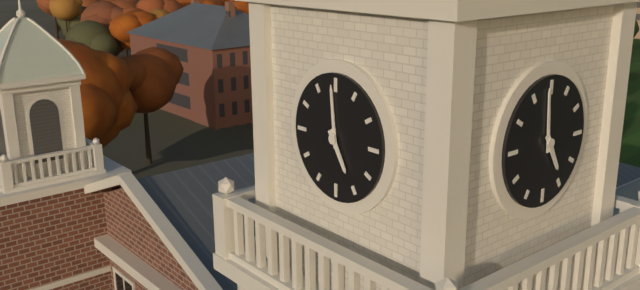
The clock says {"hour": 4, "minute": 59}
